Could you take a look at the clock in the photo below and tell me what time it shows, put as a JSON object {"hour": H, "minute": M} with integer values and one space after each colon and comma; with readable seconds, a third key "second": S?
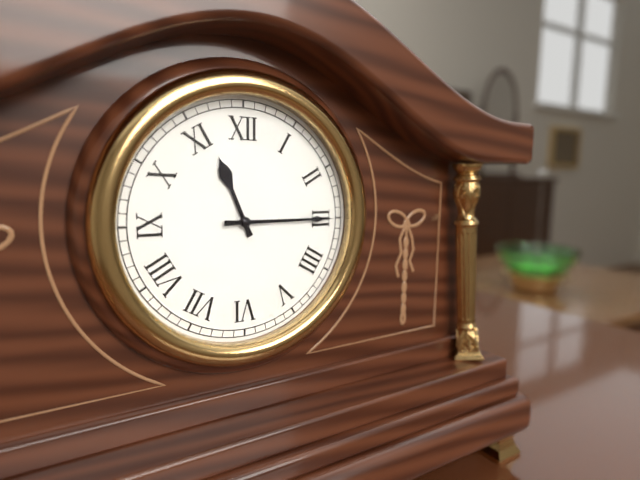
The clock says {"hour": 11, "minute": 15}
